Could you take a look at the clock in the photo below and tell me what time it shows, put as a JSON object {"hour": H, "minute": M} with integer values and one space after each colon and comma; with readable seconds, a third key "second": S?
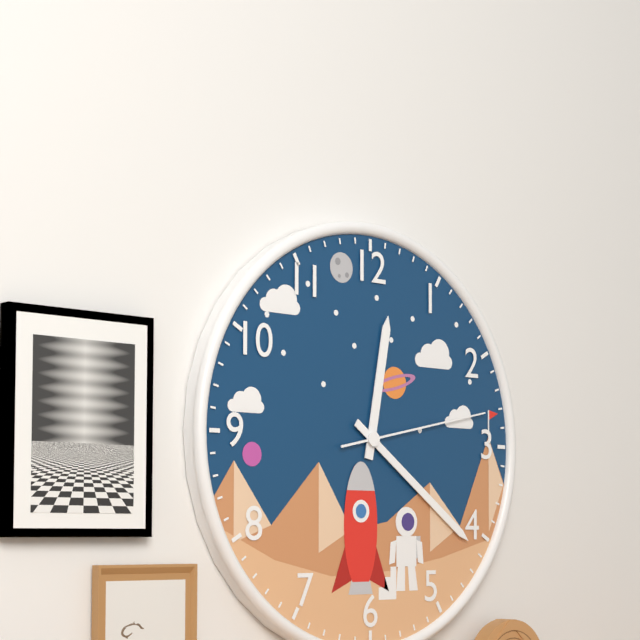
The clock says {"hour": 12, "minute": 21, "second": 13}
